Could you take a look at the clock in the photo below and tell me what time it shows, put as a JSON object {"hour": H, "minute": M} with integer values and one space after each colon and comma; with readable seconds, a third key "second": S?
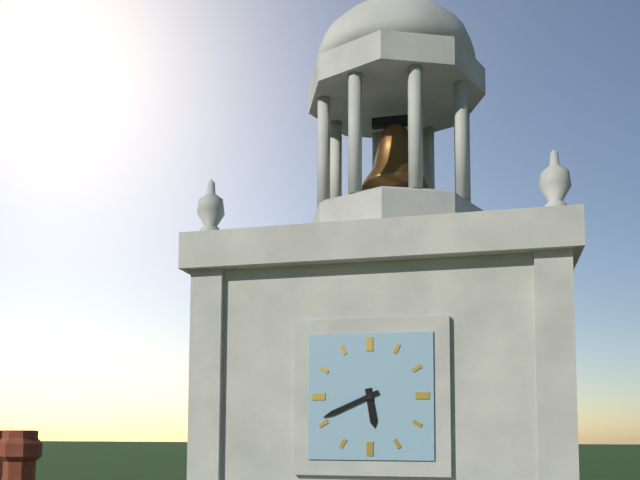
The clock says {"hour": 5, "minute": 41}
